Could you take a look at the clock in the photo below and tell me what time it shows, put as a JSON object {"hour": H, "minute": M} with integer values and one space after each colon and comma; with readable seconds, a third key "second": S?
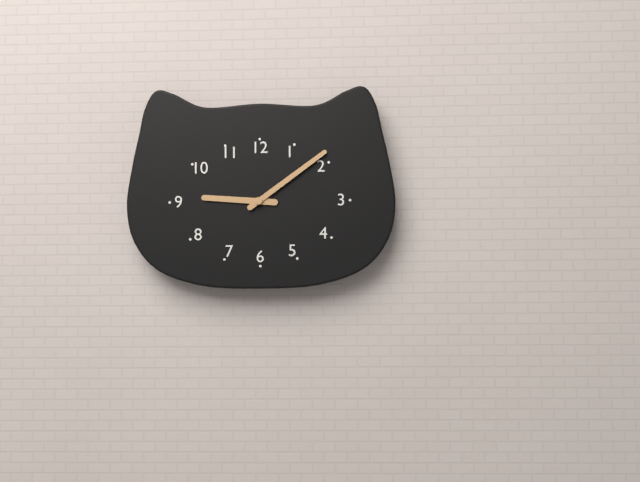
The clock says {"hour": 9, "minute": 9}
